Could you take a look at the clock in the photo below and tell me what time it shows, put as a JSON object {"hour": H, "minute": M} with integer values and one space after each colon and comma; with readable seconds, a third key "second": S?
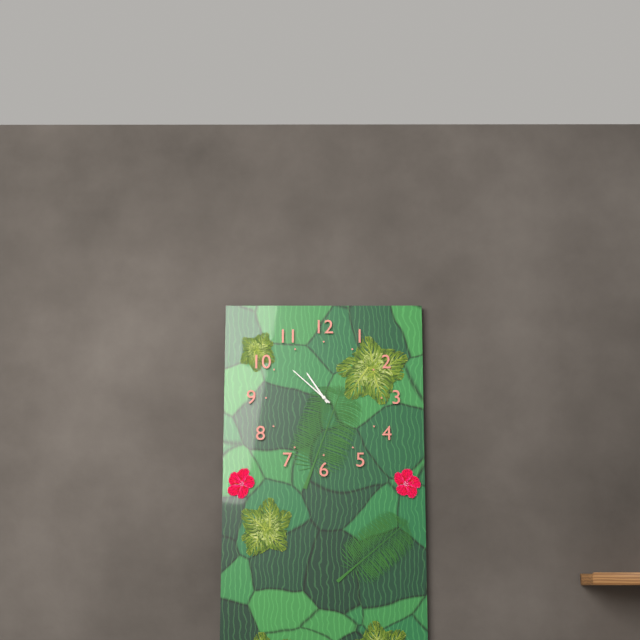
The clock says {"hour": 10, "minute": 52}
